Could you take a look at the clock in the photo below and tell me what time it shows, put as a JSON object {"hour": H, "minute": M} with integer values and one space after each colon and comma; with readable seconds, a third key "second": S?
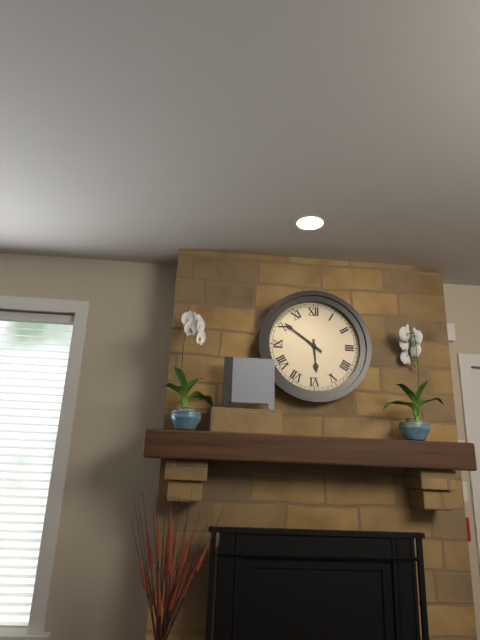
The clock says {"hour": 5, "minute": 51}
